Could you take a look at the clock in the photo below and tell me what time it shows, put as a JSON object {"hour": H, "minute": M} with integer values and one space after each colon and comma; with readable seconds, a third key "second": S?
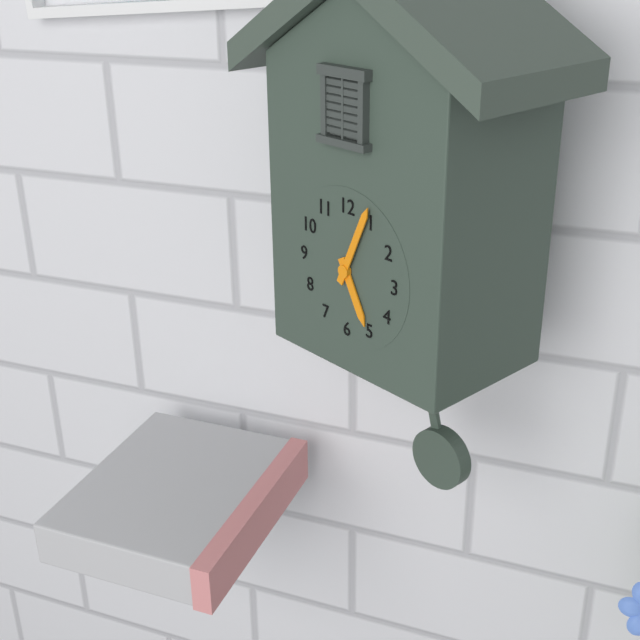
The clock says {"hour": 5, "minute": 4}
